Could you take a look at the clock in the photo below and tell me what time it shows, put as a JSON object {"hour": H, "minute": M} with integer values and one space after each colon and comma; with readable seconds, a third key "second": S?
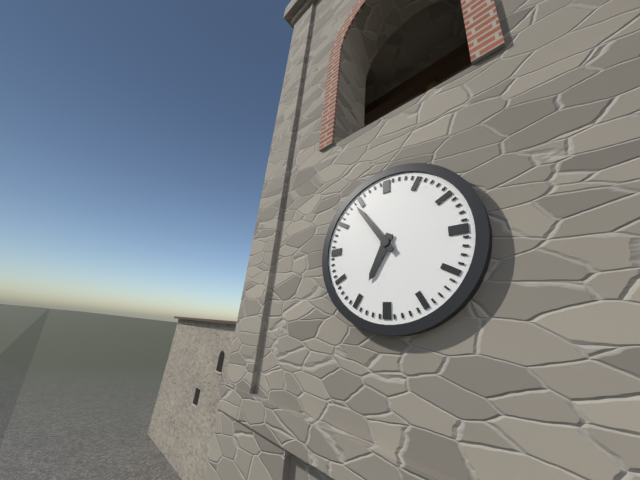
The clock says {"hour": 6, "minute": 54}
